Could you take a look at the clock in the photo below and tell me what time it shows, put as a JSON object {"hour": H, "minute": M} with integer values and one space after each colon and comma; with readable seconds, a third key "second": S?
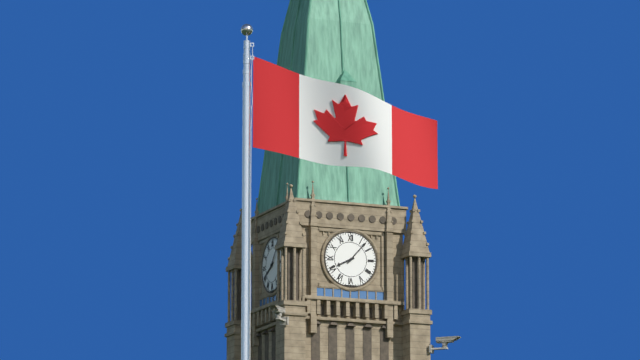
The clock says {"hour": 8, "minute": 7}
